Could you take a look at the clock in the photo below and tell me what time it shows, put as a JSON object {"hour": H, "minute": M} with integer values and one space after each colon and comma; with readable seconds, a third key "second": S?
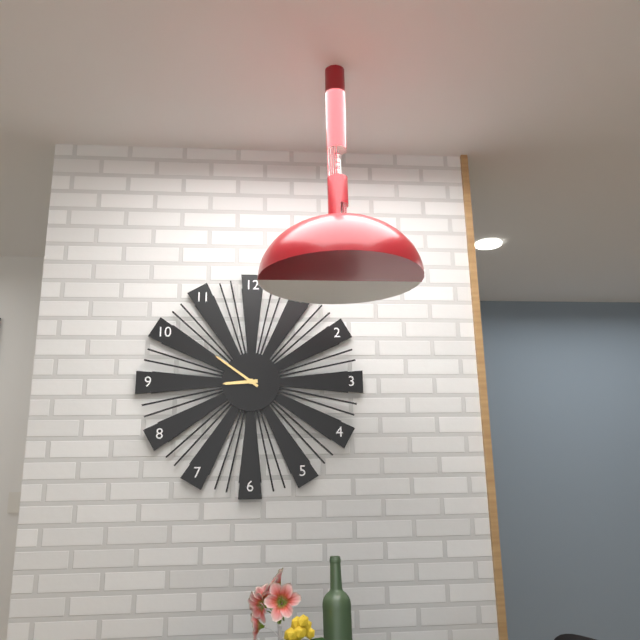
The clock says {"hour": 8, "minute": 51}
